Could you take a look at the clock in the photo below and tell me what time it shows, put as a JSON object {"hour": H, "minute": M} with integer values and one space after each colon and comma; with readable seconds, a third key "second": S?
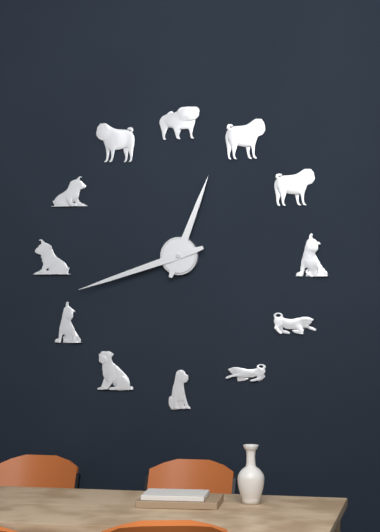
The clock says {"hour": 12, "minute": 42}
